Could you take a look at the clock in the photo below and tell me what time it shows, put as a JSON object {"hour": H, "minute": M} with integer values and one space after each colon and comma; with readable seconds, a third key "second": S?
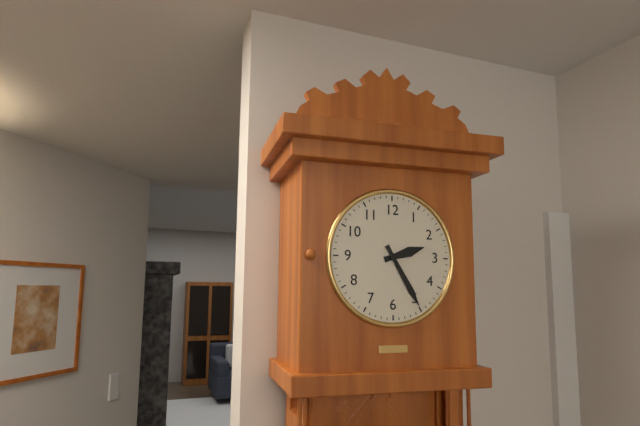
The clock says {"hour": 2, "minute": 25}
